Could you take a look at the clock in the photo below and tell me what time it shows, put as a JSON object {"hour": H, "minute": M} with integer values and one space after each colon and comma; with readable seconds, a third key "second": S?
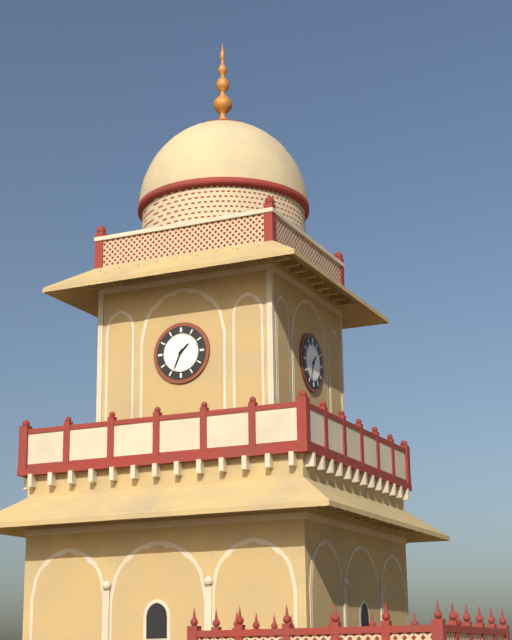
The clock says {"hour": 1, "minute": 34}
